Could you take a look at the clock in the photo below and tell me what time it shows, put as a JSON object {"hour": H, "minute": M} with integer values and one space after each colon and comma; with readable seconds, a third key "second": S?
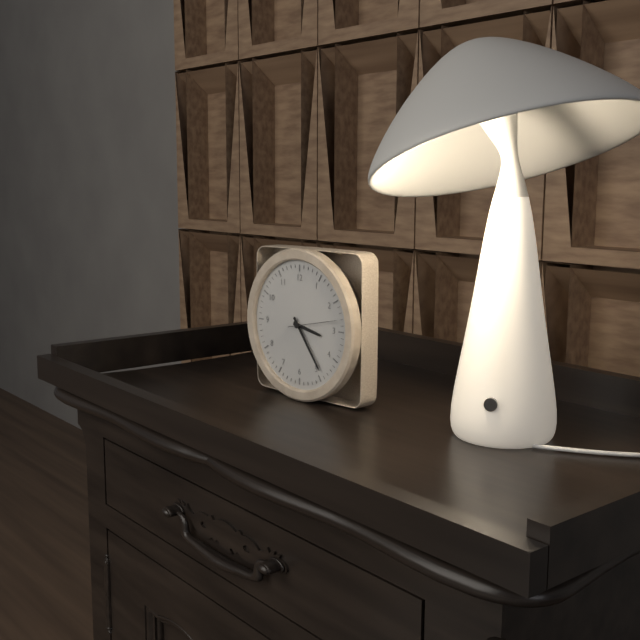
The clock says {"hour": 3, "minute": 24}
